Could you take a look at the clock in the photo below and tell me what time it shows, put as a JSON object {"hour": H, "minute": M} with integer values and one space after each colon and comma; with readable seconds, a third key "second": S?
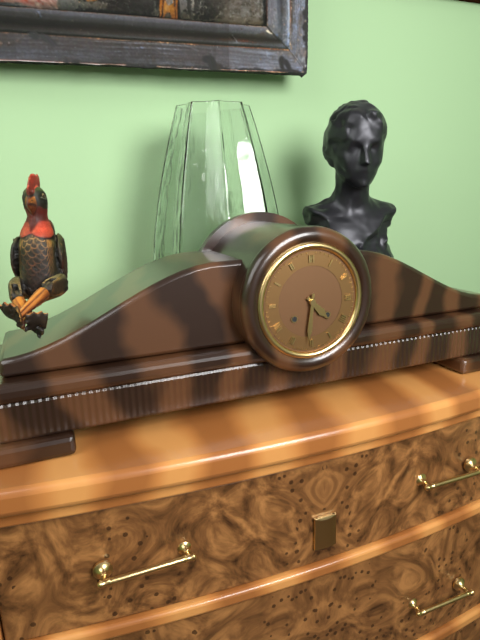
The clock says {"hour": 4, "minute": 31}
